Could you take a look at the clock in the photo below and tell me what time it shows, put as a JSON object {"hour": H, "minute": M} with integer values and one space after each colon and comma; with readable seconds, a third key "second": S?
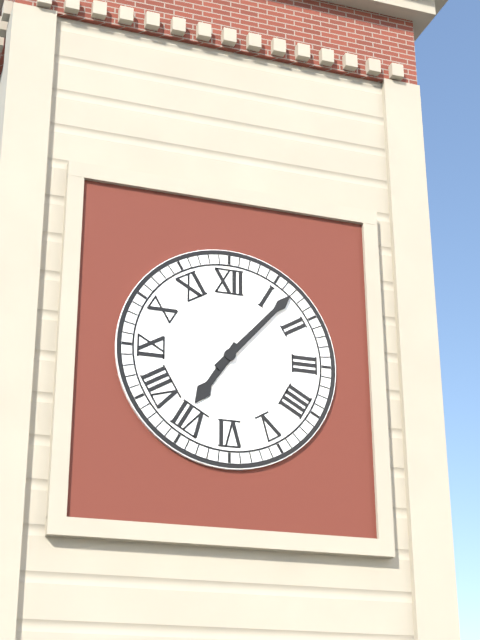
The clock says {"hour": 7, "minute": 7}
